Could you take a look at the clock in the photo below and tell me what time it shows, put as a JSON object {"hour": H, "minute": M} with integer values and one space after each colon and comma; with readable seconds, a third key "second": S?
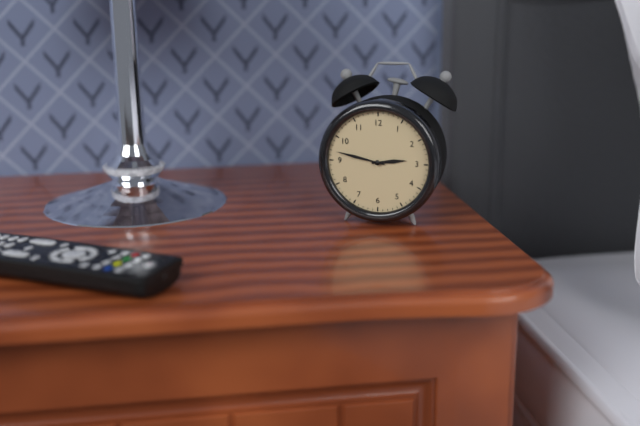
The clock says {"hour": 2, "minute": 47}
